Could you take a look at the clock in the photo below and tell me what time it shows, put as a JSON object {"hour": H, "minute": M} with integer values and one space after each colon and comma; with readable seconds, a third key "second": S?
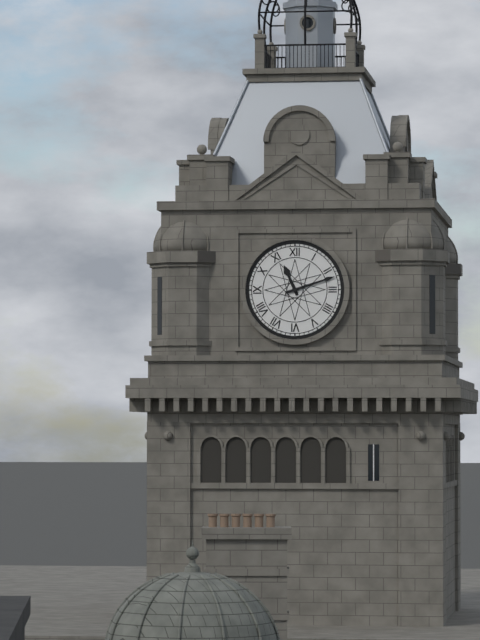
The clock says {"hour": 11, "minute": 12}
